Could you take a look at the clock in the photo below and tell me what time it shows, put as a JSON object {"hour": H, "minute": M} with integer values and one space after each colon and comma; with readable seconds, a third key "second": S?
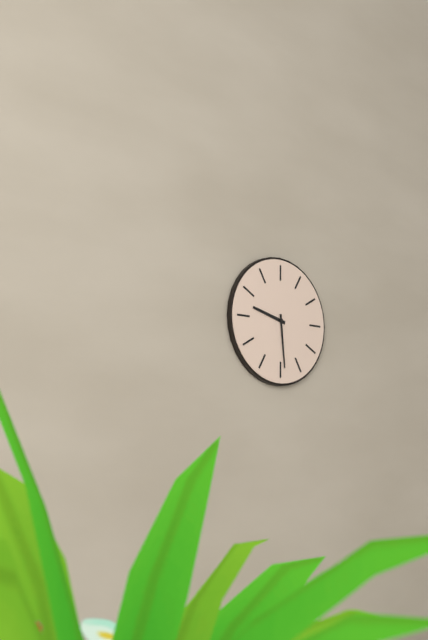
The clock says {"hour": 9, "minute": 29}
